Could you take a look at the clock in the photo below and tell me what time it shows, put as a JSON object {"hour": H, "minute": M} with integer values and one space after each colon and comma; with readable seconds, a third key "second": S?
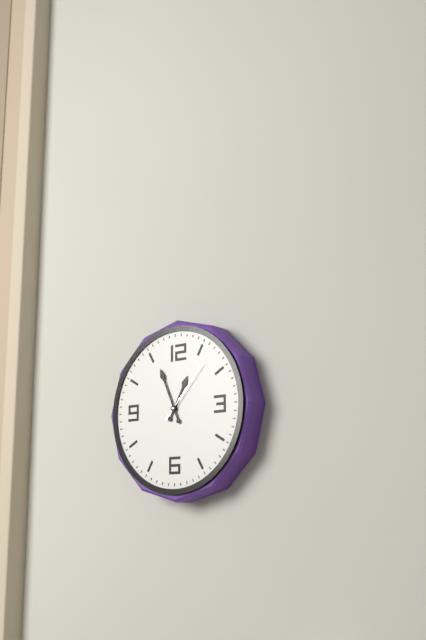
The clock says {"hour": 12, "minute": 56, "second": 7}
